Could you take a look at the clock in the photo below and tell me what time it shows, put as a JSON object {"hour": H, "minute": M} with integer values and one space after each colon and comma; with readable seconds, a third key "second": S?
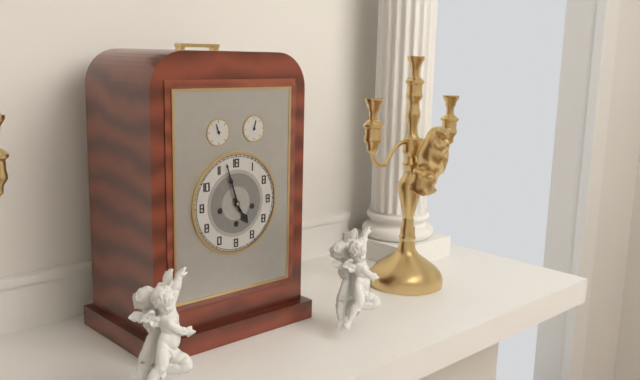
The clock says {"hour": 4, "minute": 57}
